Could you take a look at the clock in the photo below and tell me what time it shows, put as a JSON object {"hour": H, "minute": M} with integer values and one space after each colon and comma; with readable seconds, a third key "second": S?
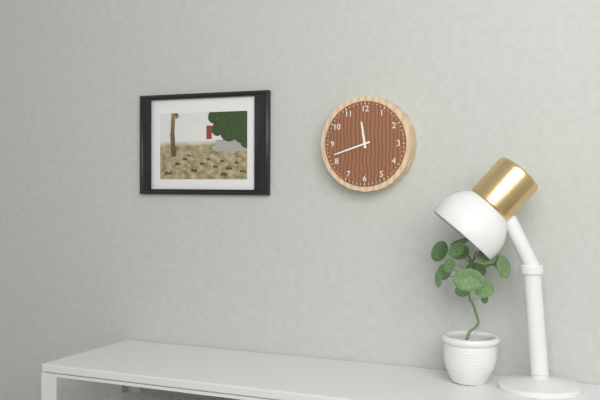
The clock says {"hour": 11, "minute": 42}
